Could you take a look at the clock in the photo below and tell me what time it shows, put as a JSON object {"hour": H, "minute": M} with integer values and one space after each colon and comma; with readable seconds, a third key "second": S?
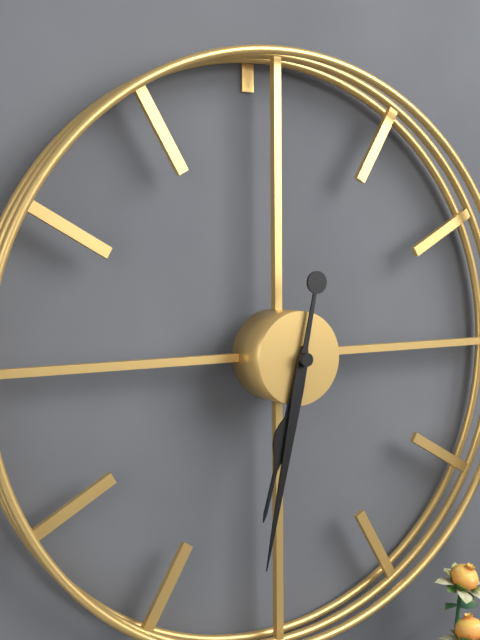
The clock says {"hour": 6, "minute": 32}
